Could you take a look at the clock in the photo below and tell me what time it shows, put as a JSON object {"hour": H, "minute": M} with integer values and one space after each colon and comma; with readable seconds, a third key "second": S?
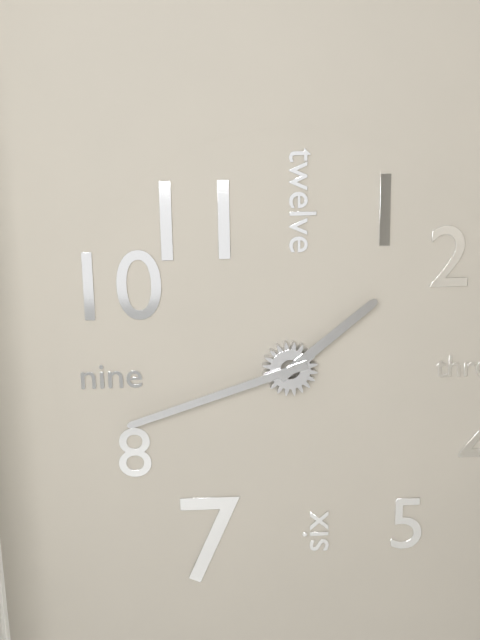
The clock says {"hour": 1, "minute": 42}
